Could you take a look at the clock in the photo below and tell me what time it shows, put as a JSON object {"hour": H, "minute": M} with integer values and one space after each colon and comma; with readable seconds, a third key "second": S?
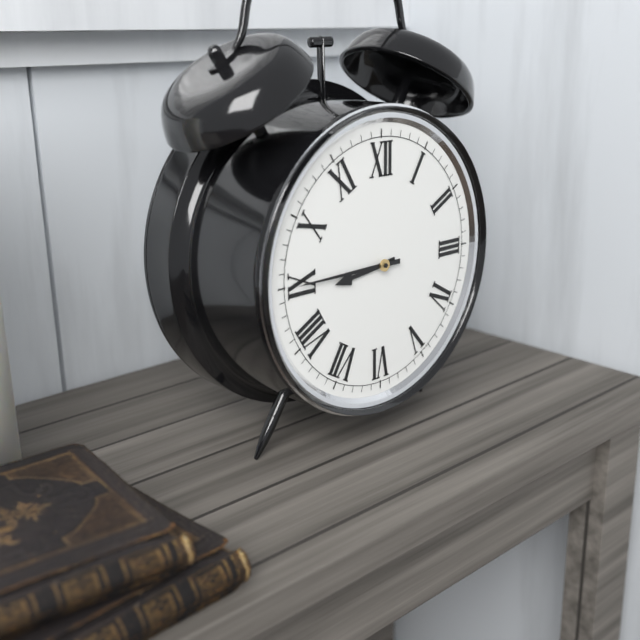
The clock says {"hour": 8, "minute": 45}
